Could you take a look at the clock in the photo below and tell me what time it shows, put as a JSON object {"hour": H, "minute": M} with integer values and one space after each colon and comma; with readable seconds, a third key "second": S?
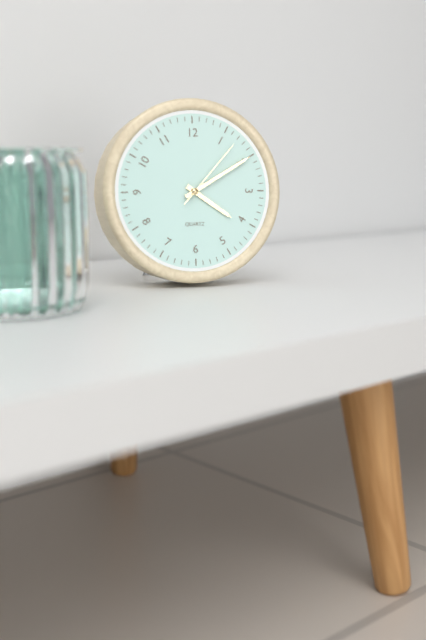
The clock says {"hour": 4, "minute": 10, "second": 7}
